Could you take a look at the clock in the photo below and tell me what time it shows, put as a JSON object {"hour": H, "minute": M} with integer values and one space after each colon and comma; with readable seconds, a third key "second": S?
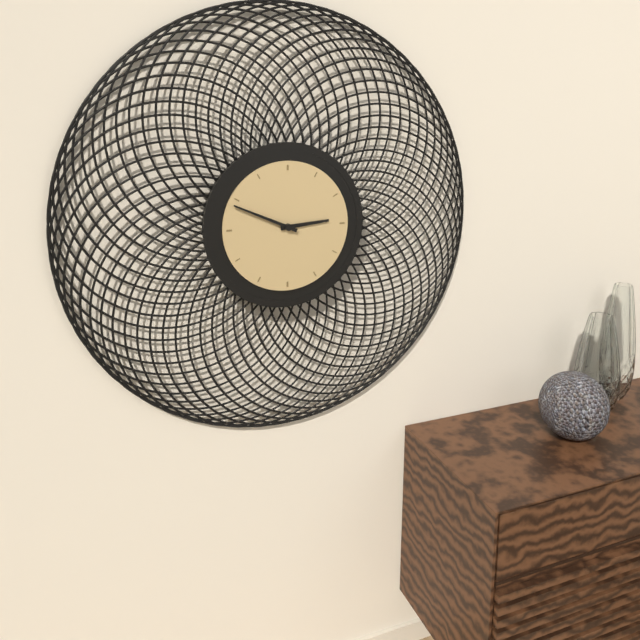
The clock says {"hour": 2, "minute": 49}
